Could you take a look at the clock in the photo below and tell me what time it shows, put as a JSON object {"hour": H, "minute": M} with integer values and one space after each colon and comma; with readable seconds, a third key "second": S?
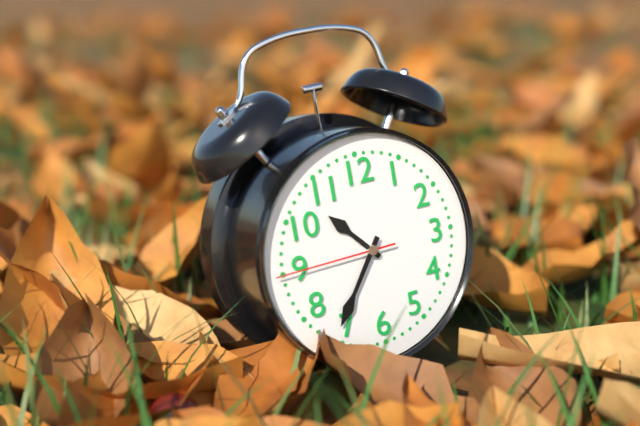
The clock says {"hour": 10, "minute": 36, "second": 45}
